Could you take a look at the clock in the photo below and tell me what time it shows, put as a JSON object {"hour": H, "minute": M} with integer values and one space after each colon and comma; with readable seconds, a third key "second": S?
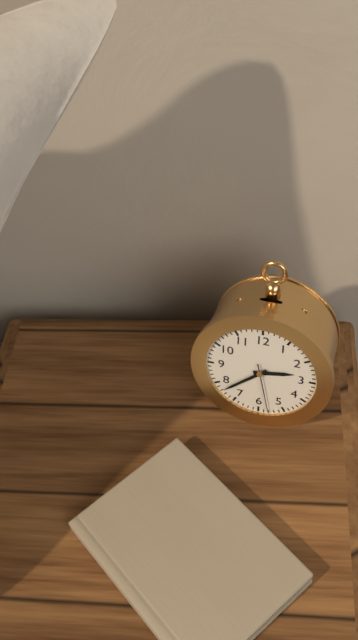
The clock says {"hour": 2, "minute": 38}
